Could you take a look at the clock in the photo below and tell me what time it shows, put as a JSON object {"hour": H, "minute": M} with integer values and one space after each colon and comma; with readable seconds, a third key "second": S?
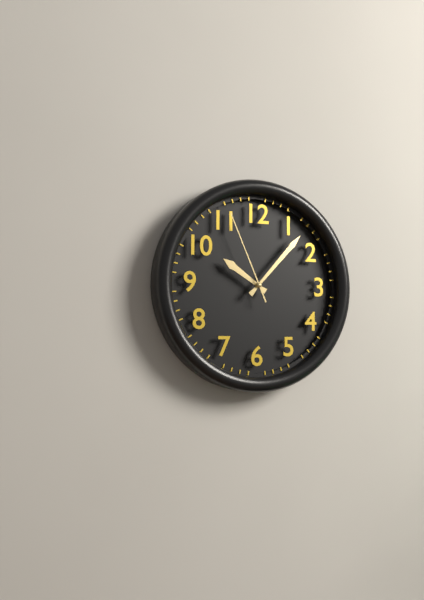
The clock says {"hour": 10, "minute": 7, "second": 56}
